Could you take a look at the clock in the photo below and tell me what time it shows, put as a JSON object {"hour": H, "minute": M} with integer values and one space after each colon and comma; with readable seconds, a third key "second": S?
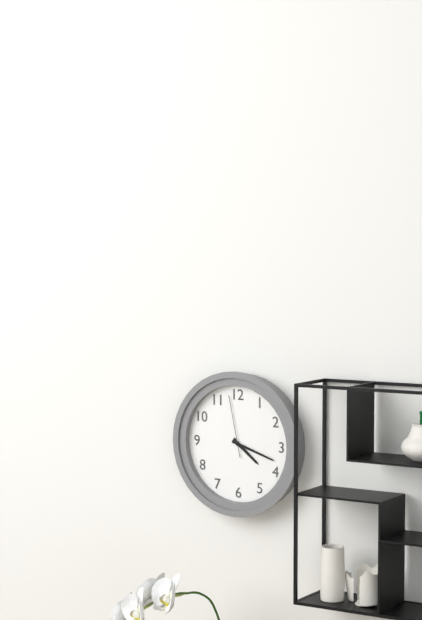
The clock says {"hour": 4, "minute": 18, "second": 58}
